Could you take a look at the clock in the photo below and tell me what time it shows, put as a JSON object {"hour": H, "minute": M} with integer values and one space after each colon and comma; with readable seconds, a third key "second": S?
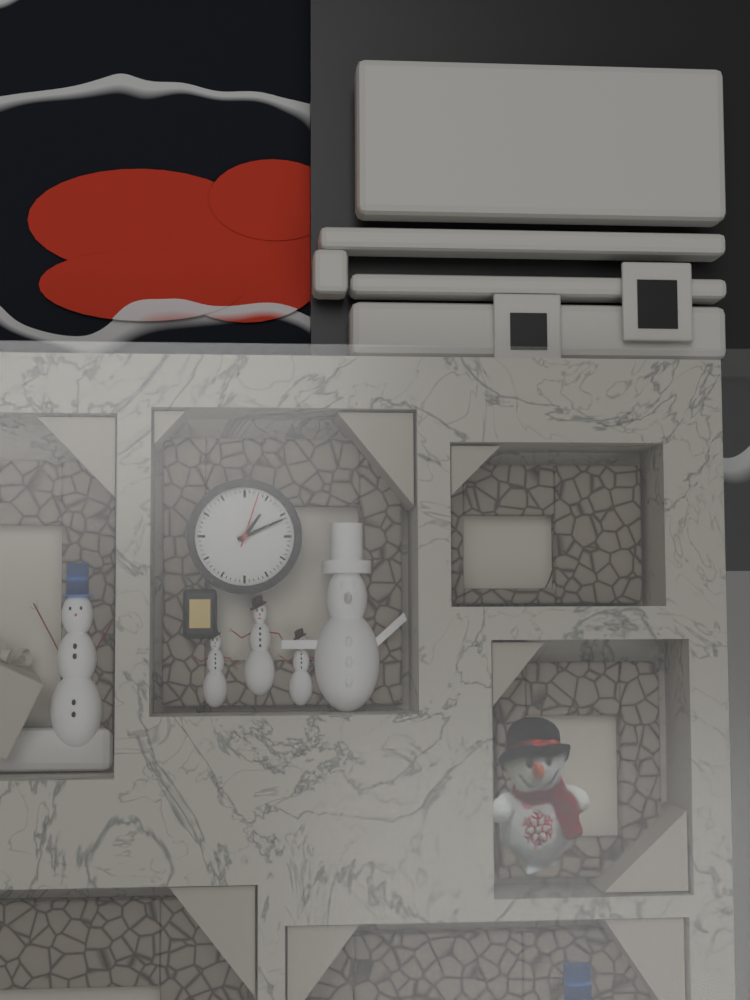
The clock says {"hour": 1, "minute": 11, "second": 3}
